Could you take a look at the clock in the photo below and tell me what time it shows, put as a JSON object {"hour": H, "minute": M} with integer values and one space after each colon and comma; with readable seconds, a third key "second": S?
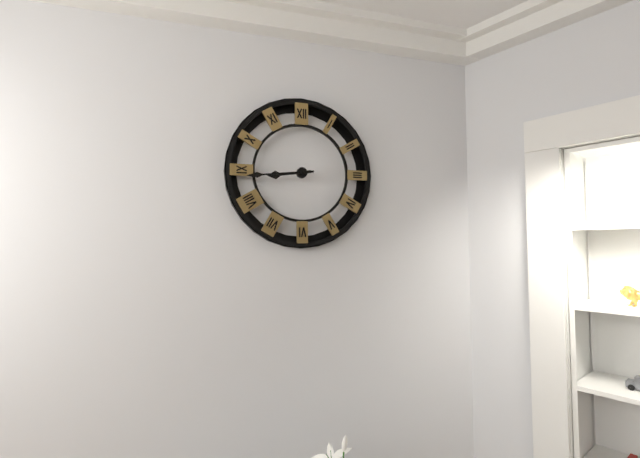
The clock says {"hour": 8, "minute": 44}
